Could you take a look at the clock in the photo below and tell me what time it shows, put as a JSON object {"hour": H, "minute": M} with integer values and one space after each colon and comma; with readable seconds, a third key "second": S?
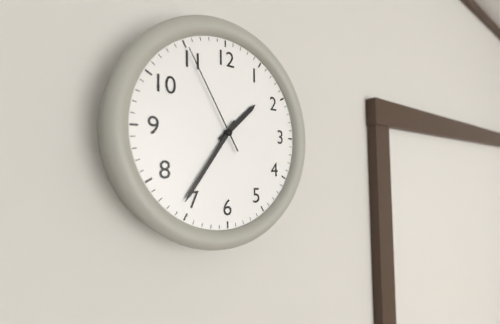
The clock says {"hour": 1, "minute": 36, "second": 55}
